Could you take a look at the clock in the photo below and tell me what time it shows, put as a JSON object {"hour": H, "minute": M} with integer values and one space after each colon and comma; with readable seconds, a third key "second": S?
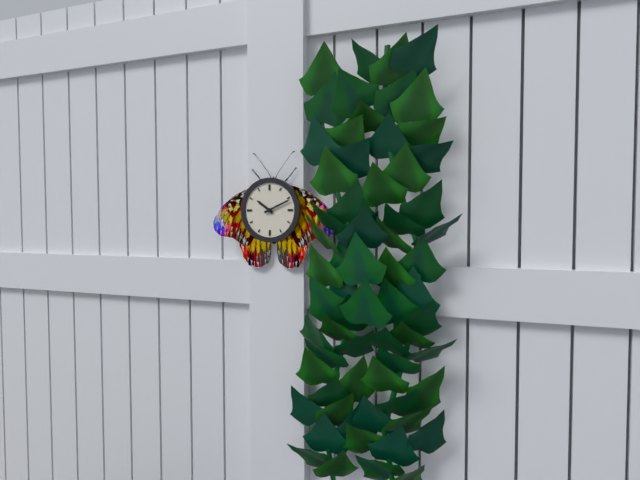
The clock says {"hour": 10, "minute": 11}
